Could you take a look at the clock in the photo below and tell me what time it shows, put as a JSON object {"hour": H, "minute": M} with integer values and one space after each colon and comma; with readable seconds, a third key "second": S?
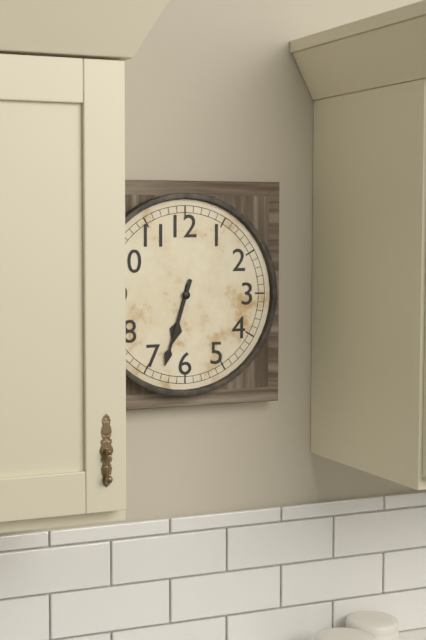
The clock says {"hour": 6, "minute": 33}
